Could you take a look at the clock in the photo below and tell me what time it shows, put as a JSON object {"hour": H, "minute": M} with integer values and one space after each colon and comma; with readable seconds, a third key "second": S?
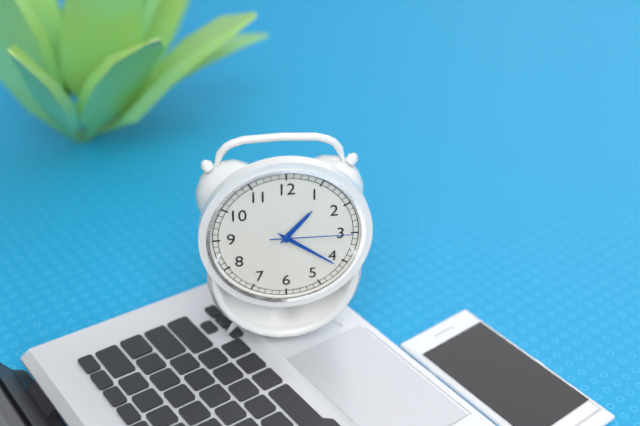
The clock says {"hour": 1, "minute": 21, "second": 15}
